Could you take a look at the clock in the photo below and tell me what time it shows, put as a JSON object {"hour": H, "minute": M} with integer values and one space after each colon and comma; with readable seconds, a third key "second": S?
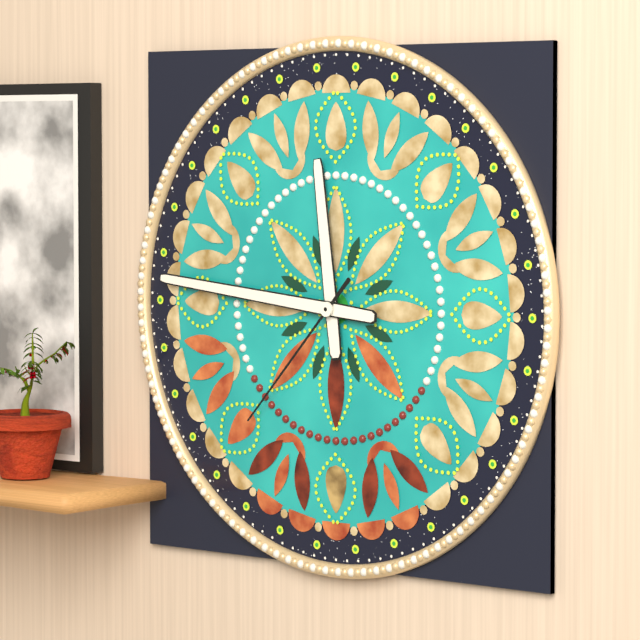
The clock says {"hour": 11, "minute": 46, "second": 37}
